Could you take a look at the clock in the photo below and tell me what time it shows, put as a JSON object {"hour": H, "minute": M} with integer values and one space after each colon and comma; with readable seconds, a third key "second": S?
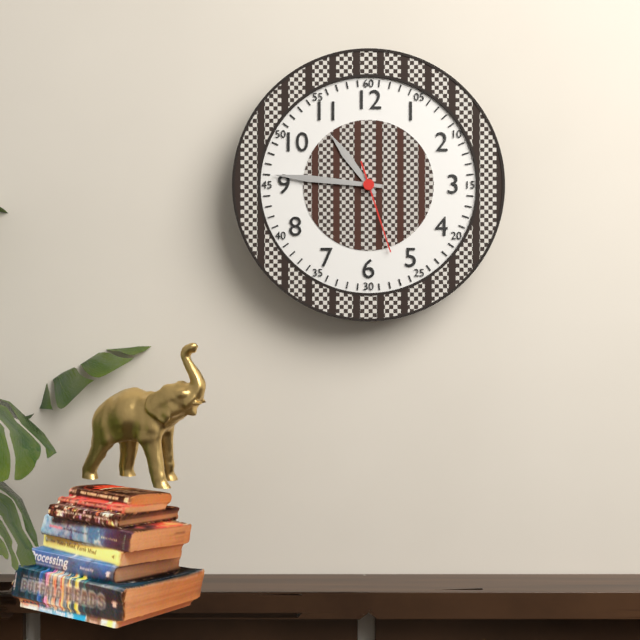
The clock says {"hour": 10, "minute": 46, "second": 27}
